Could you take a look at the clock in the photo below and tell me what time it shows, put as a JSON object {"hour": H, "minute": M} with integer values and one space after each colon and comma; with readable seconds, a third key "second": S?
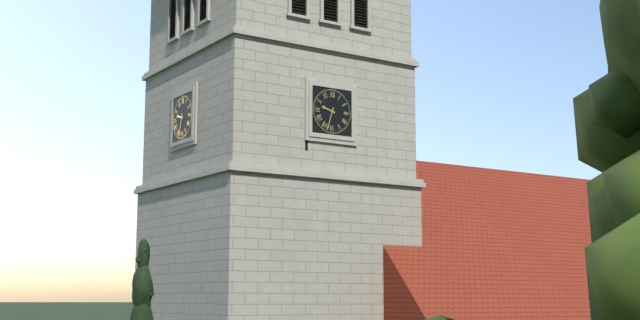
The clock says {"hour": 9, "minute": 33}
